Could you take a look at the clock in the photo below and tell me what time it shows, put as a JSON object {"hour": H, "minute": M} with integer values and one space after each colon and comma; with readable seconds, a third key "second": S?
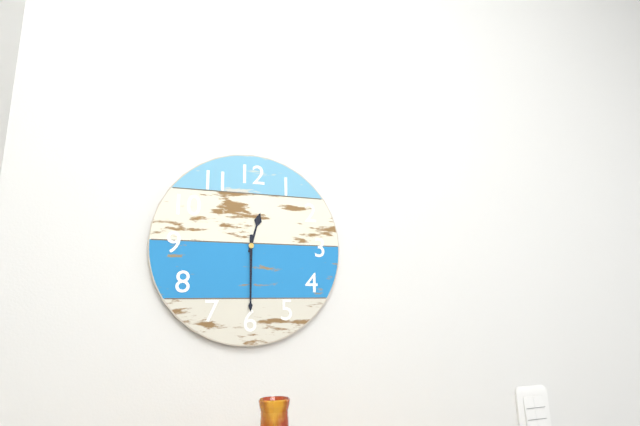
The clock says {"hour": 12, "minute": 30}
